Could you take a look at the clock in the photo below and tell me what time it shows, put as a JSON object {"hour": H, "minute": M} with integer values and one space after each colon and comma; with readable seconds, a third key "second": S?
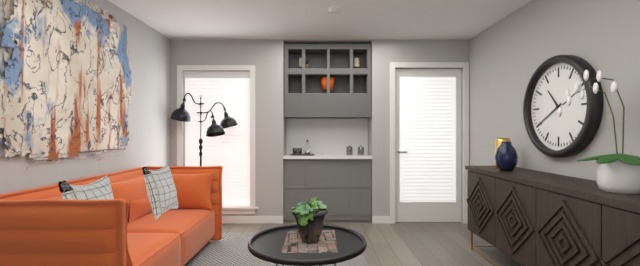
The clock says {"hour": 10, "minute": 40}
